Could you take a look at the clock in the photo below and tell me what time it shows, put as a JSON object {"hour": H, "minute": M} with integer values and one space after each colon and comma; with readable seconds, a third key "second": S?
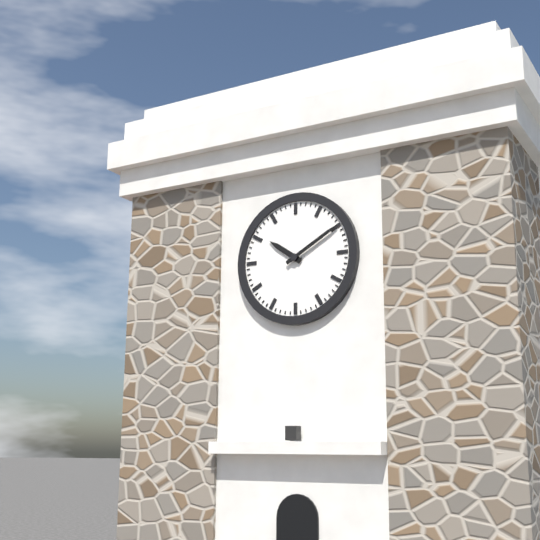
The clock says {"hour": 10, "minute": 10}
